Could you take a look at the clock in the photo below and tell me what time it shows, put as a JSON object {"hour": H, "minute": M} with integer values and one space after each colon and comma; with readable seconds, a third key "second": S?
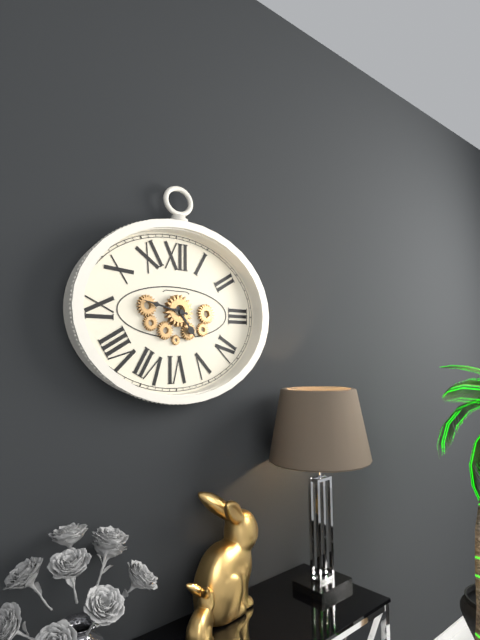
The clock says {"hour": 4, "minute": 47}
